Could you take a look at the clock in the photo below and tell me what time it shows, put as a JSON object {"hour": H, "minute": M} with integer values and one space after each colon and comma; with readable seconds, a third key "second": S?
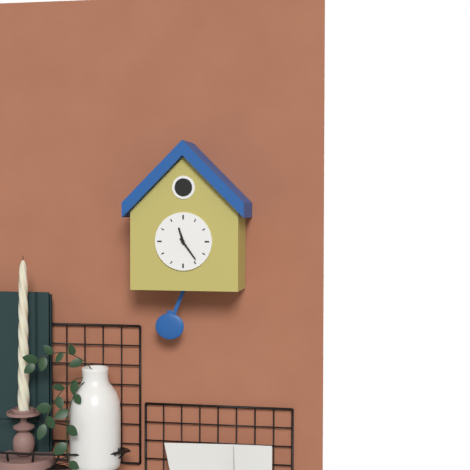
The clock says {"hour": 11, "minute": 24}
